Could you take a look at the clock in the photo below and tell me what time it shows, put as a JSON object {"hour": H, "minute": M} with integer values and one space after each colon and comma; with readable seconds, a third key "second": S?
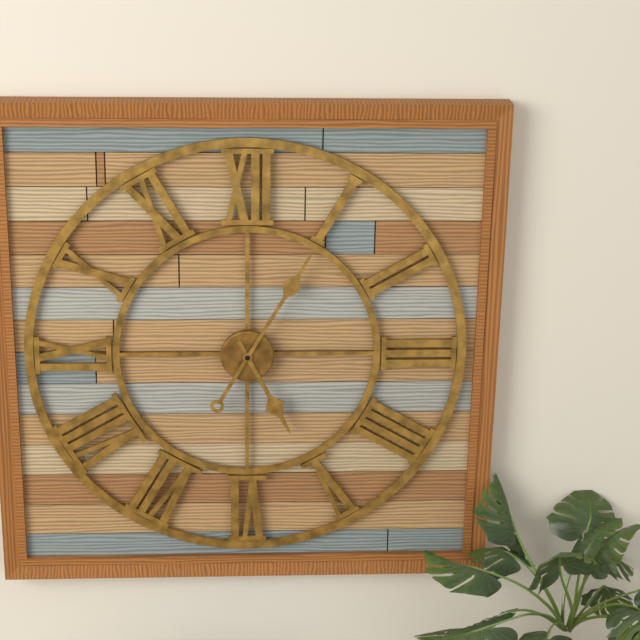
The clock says {"hour": 5, "minute": 5}
